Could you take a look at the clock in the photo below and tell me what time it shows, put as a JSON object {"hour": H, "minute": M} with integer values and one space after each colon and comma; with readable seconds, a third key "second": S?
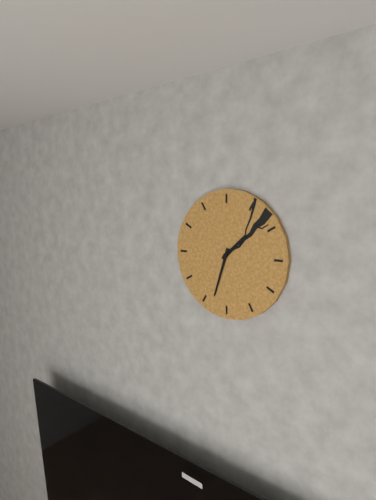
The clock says {"hour": 1, "minute": 33}
